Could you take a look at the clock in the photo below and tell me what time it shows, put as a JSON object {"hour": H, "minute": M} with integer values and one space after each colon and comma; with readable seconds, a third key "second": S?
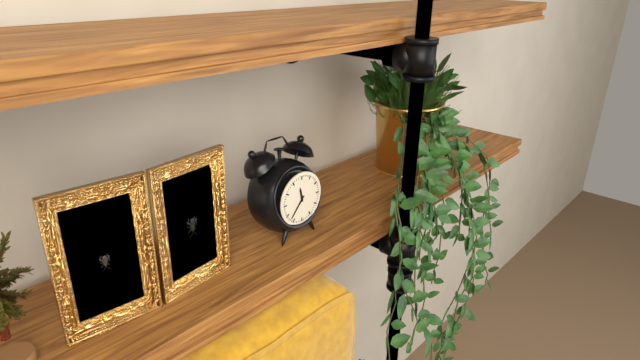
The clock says {"hour": 11, "minute": 37}
